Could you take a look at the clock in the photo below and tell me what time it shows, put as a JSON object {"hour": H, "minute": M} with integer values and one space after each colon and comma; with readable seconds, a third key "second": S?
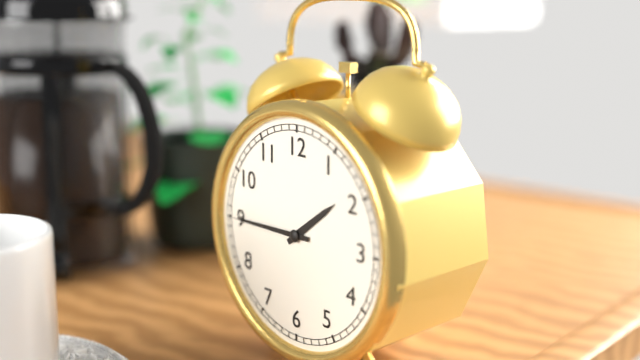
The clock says {"hour": 1, "minute": 45}
